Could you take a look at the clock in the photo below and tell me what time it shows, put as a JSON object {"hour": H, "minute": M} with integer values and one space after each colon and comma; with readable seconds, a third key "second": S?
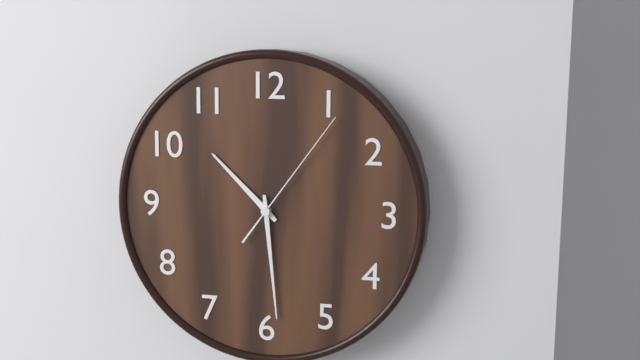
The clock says {"hour": 10, "minute": 29, "second": 6}
